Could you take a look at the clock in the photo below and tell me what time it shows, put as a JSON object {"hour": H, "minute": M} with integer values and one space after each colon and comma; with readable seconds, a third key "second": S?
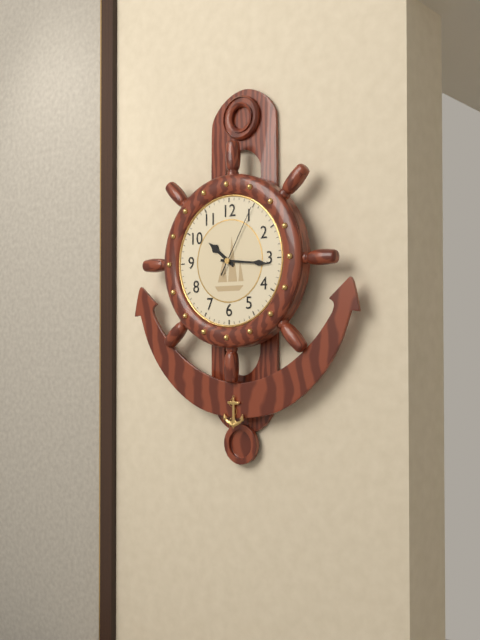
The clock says {"hour": 10, "minute": 16, "second": 5}
